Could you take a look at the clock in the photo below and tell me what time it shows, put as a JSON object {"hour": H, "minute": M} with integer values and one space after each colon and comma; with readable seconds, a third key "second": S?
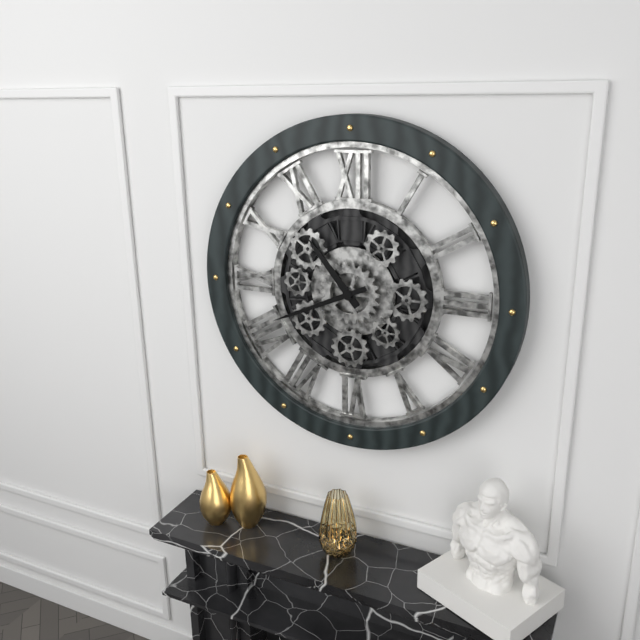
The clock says {"hour": 10, "minute": 41}
